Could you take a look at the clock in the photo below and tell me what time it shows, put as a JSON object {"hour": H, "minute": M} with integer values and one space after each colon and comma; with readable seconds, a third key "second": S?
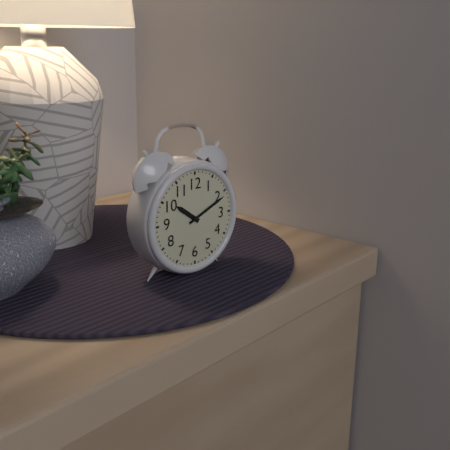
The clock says {"hour": 10, "minute": 11}
